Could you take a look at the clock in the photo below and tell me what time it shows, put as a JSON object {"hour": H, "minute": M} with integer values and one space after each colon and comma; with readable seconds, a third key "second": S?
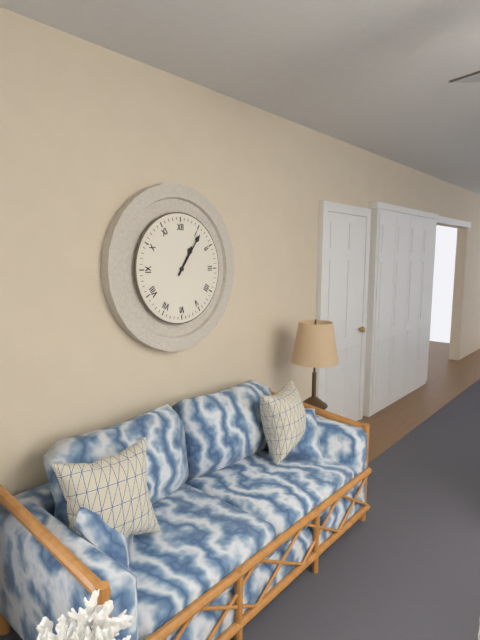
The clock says {"hour": 1, "minute": 6}
